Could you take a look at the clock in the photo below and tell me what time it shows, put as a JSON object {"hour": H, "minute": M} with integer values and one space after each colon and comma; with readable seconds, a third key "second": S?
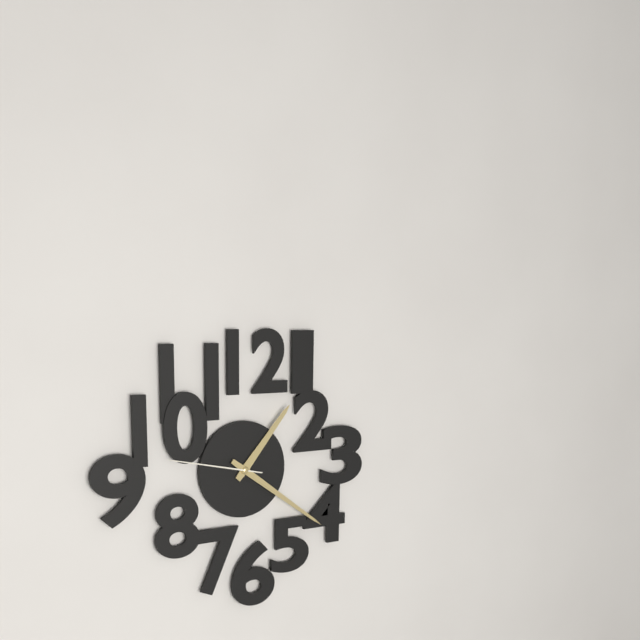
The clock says {"hour": 1, "minute": 21, "second": 47}
